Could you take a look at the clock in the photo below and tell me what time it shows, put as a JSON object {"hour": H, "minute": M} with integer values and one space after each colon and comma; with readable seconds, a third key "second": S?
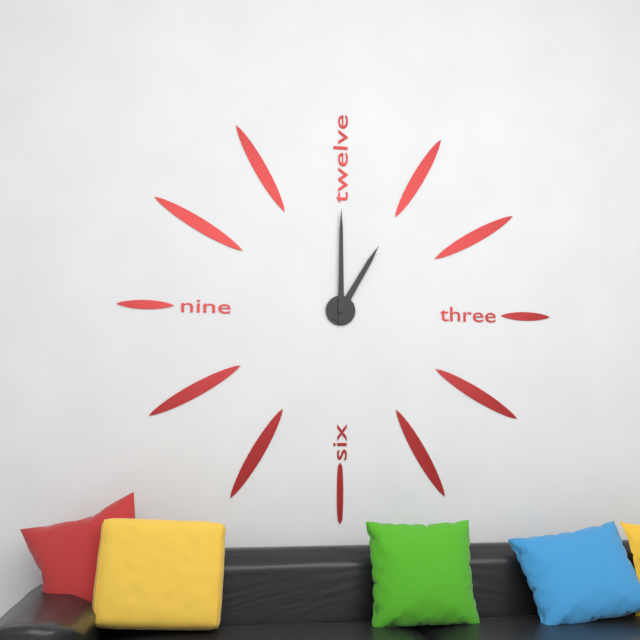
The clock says {"hour": 1, "minute": 0}
